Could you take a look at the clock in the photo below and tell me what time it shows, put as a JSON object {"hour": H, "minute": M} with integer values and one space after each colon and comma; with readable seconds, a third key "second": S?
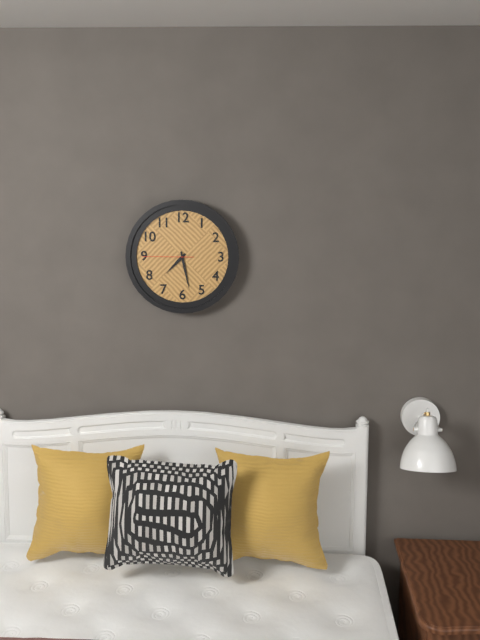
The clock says {"hour": 7, "minute": 28, "second": 45}
